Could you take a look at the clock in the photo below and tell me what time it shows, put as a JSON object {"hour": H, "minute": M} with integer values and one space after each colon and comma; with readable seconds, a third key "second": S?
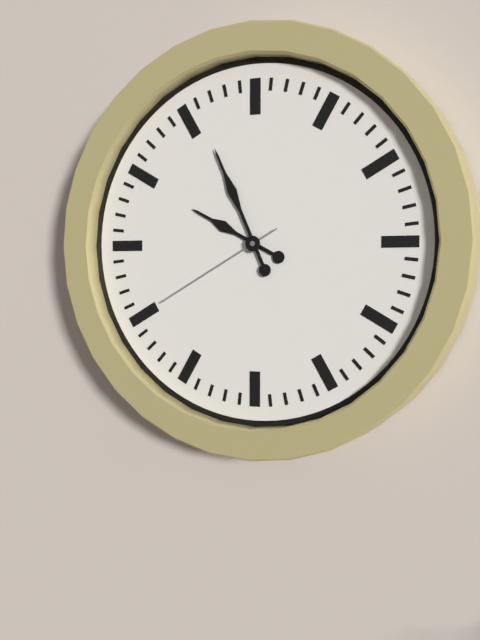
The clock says {"hour": 9, "minute": 56, "second": 40}
